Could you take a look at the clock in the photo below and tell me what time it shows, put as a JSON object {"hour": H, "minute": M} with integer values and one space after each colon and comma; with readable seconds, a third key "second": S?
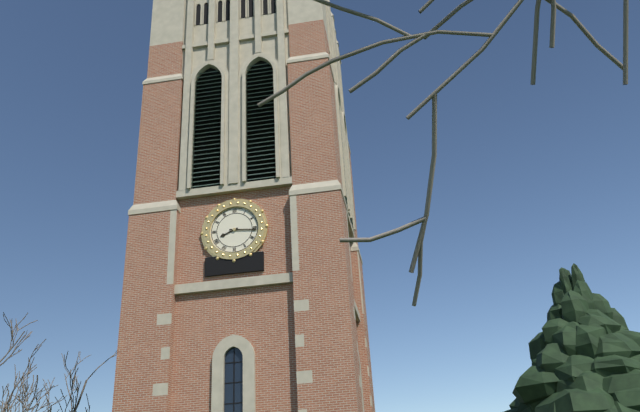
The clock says {"hour": 8, "minute": 16}
